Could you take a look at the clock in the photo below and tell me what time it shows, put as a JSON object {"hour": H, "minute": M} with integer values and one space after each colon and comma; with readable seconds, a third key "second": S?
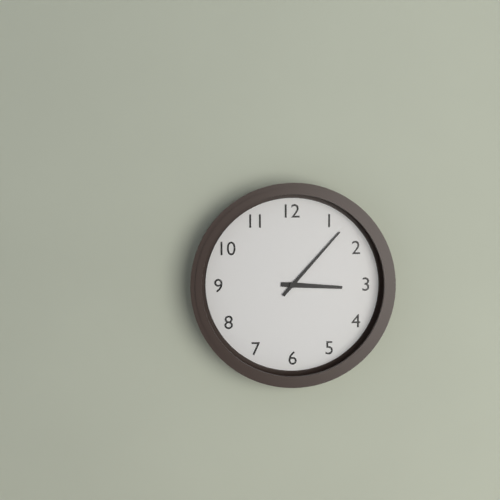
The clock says {"hour": 3, "minute": 7}
